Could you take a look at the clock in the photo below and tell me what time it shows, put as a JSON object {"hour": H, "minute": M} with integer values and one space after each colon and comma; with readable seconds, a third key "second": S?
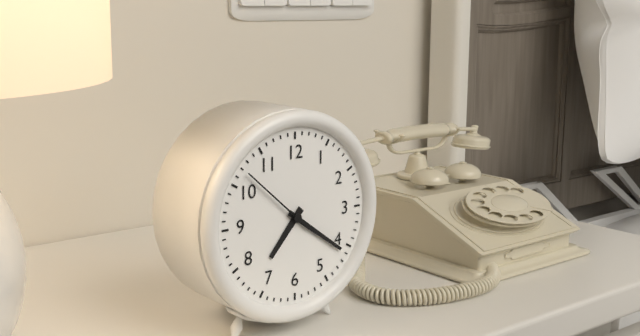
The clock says {"hour": 7, "minute": 21, "second": 52}
